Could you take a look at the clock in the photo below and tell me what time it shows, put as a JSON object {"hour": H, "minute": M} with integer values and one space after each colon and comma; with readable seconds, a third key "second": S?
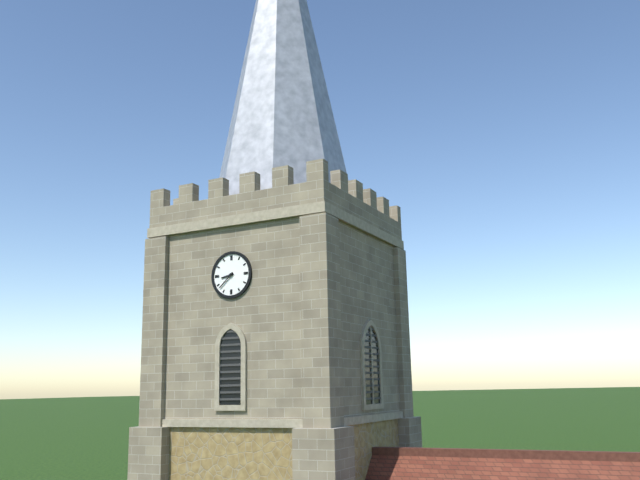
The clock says {"hour": 8, "minute": 38}
